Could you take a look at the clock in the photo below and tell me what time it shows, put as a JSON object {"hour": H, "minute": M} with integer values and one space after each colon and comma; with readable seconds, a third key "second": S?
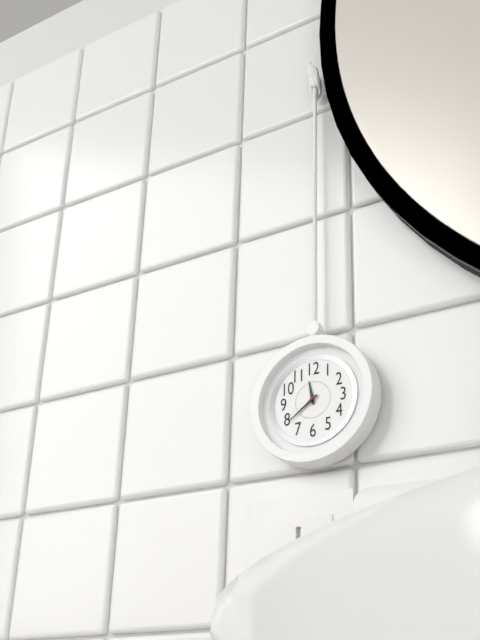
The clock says {"hour": 11, "minute": 39}
